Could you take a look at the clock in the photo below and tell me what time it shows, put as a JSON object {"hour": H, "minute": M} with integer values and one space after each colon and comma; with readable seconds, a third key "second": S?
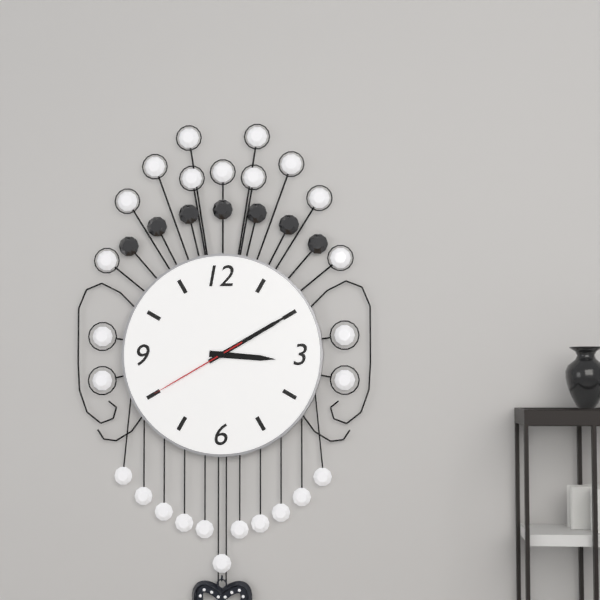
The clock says {"hour": 3, "minute": 10, "second": 40}
